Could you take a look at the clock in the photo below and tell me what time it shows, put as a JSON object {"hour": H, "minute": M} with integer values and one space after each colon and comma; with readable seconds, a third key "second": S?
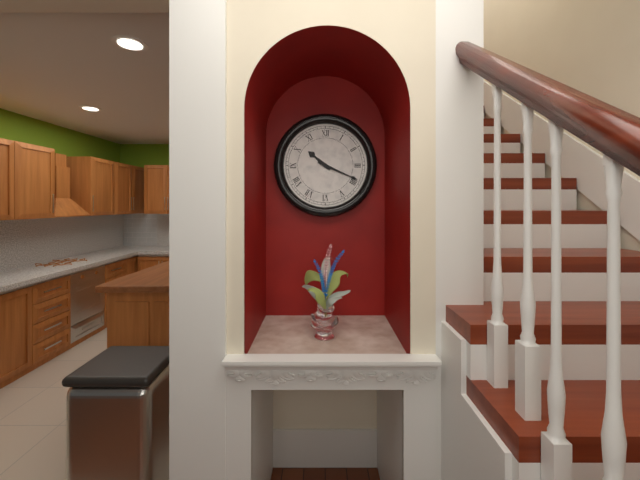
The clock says {"hour": 10, "minute": 19}
